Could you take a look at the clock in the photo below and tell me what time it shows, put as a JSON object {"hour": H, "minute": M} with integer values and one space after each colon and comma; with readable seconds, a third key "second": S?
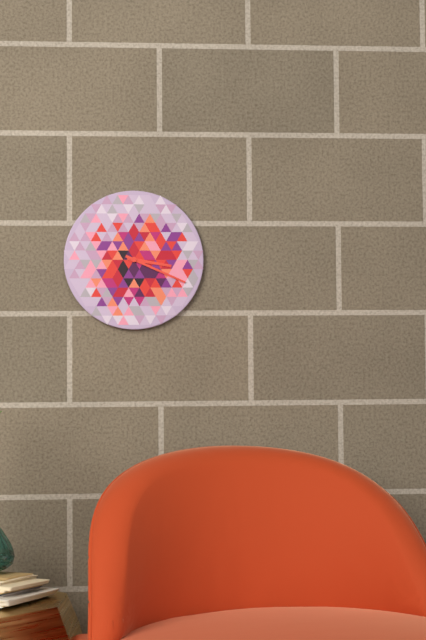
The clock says {"hour": 3, "minute": 19}
